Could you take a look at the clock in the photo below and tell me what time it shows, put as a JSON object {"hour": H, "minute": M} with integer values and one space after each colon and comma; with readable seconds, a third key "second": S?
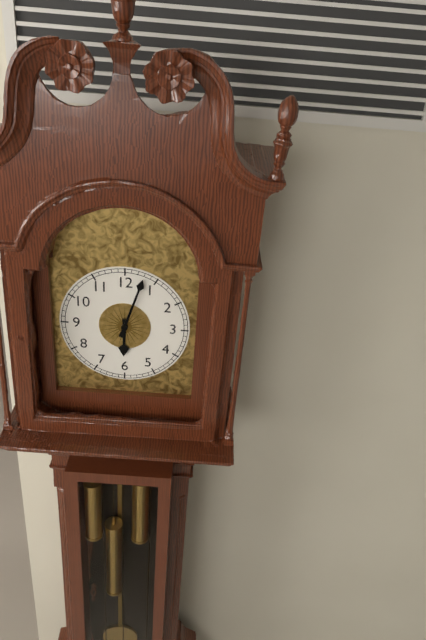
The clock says {"hour": 6, "minute": 3}
